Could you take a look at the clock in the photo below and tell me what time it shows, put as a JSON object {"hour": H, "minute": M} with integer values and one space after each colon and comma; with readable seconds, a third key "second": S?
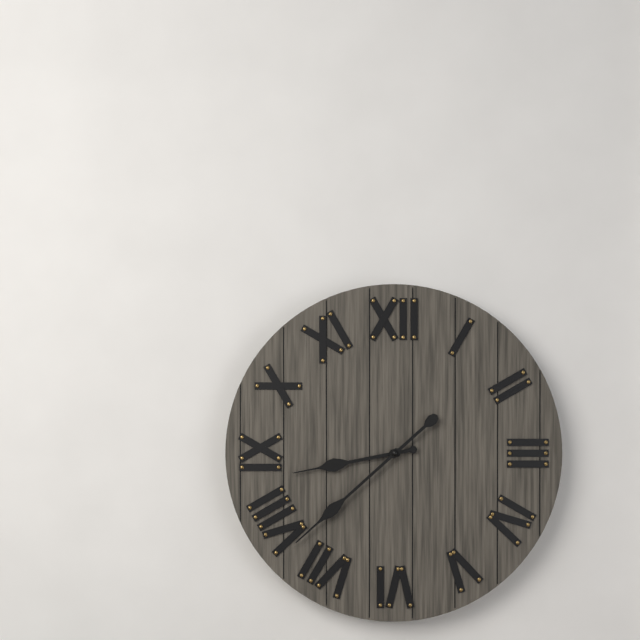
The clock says {"hour": 8, "minute": 38}
